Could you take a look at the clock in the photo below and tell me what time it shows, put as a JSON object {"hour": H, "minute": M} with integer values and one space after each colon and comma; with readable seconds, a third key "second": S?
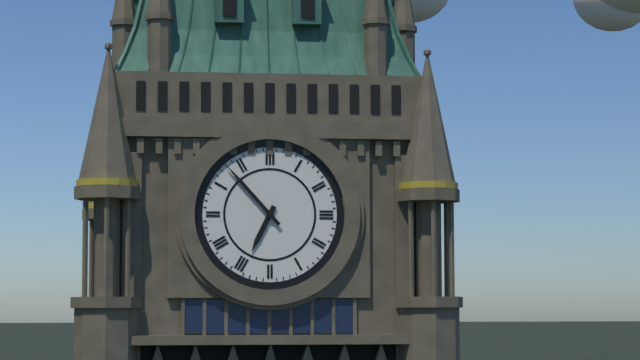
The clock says {"hour": 6, "minute": 53}
